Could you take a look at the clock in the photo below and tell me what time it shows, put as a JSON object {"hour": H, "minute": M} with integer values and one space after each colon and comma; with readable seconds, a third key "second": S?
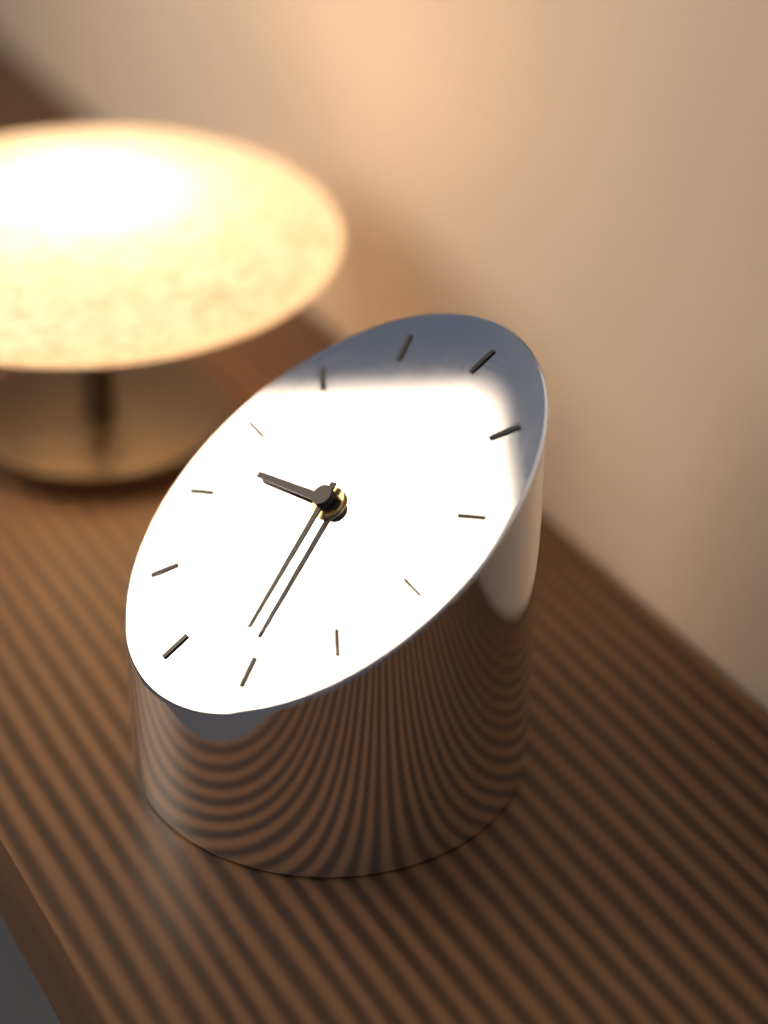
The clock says {"hour": 8, "minute": 26}
